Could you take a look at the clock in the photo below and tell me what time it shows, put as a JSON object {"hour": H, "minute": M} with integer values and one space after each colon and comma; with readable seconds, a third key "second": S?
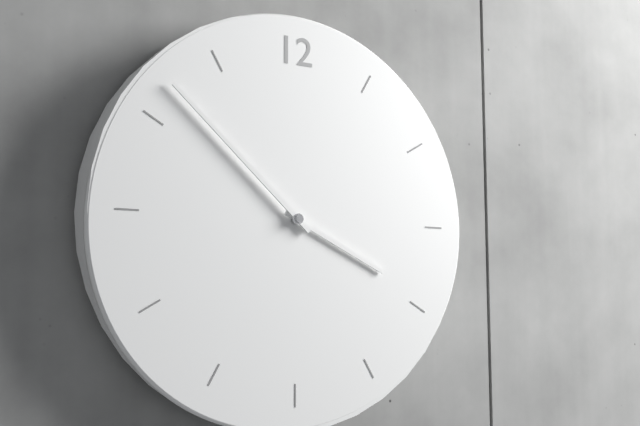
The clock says {"hour": 3, "minute": 52}
